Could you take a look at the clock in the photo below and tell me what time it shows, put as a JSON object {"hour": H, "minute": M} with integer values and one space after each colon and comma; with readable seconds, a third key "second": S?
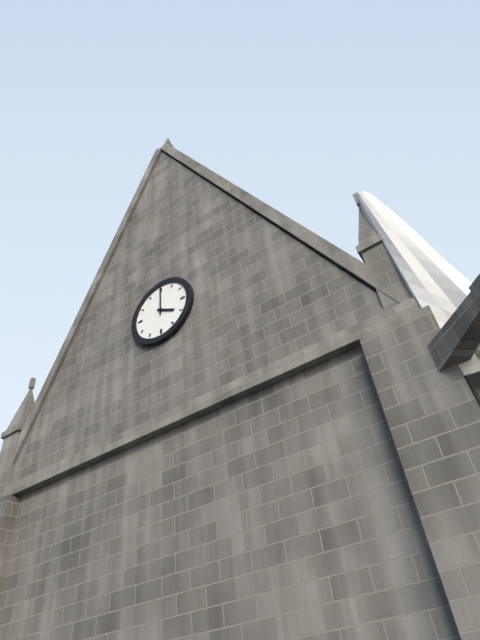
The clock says {"hour": 4, "minute": 0}
